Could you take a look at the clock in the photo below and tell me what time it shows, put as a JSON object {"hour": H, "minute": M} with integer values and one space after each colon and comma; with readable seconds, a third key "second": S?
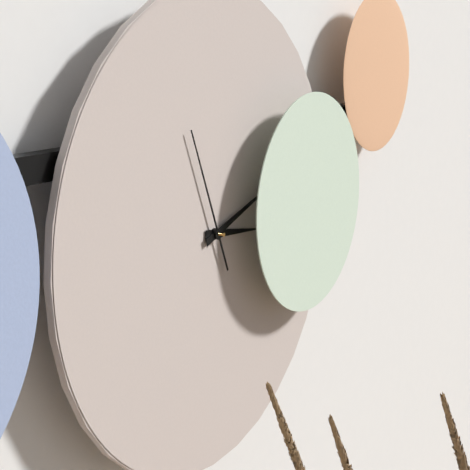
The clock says {"hour": 3, "minute": 12, "second": 56}
